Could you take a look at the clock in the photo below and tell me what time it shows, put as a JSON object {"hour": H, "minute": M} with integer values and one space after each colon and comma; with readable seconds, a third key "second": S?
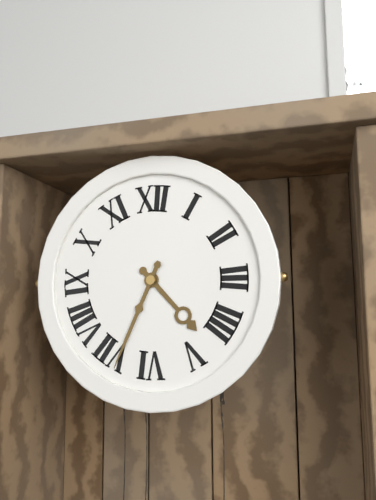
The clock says {"hour": 4, "minute": 34}
